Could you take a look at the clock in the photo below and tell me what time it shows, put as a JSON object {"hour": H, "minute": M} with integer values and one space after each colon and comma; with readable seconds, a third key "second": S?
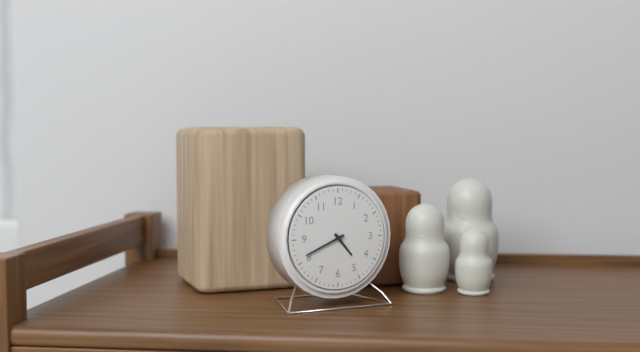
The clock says {"hour": 4, "minute": 41}
